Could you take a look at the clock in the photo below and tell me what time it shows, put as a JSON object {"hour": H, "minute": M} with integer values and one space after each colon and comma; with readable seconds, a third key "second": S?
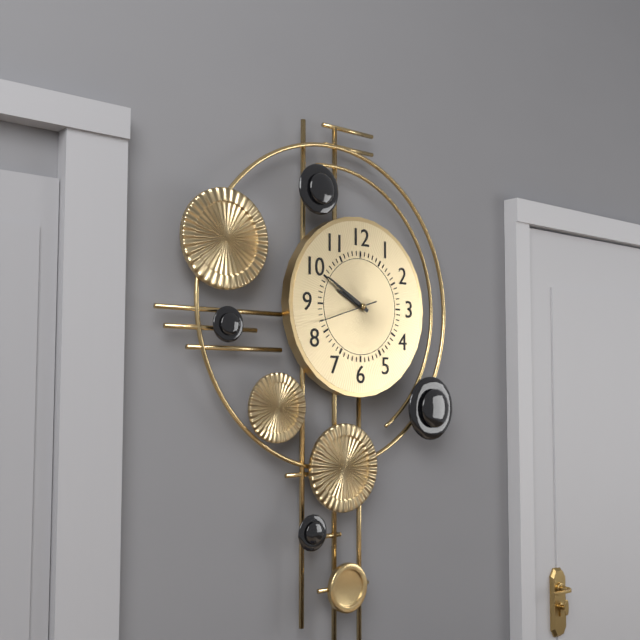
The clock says {"hour": 9, "minute": 50}
